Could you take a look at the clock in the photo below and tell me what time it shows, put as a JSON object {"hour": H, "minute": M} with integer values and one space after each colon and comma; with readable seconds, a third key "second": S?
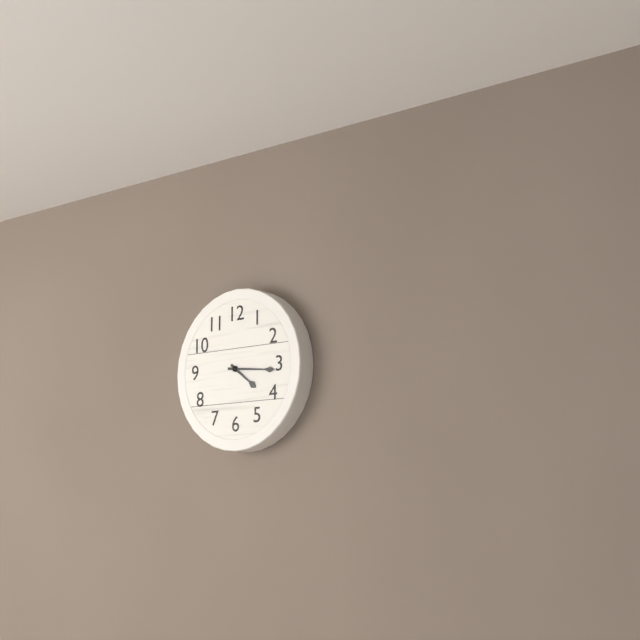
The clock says {"hour": 4, "minute": 16}
